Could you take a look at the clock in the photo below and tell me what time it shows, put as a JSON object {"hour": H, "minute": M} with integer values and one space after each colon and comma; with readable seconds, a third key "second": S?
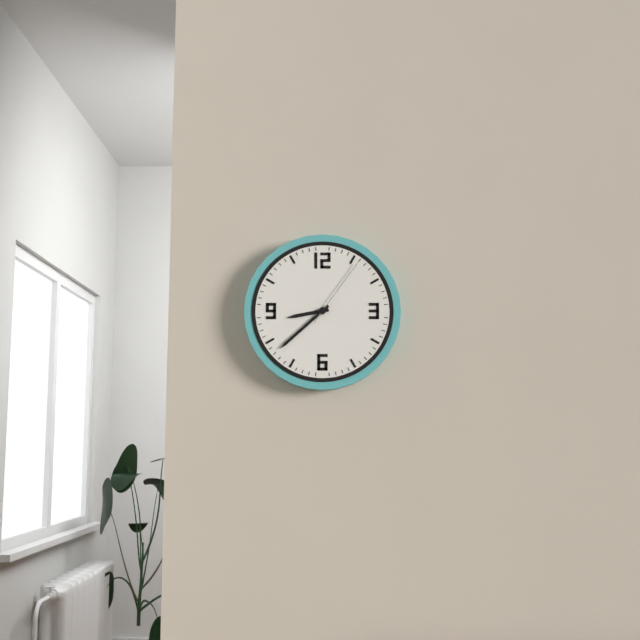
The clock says {"hour": 8, "minute": 38, "second": 6}
